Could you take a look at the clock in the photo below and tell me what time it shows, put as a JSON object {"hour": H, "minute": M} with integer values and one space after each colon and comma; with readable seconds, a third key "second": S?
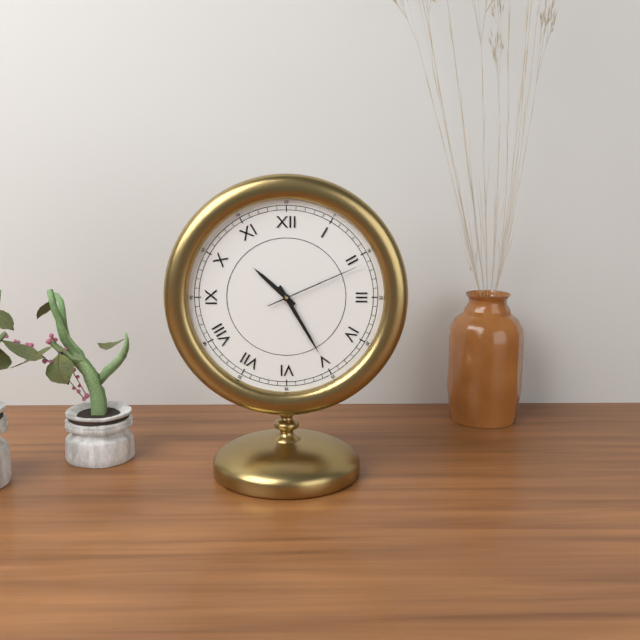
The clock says {"hour": 10, "minute": 25, "second": 11}
